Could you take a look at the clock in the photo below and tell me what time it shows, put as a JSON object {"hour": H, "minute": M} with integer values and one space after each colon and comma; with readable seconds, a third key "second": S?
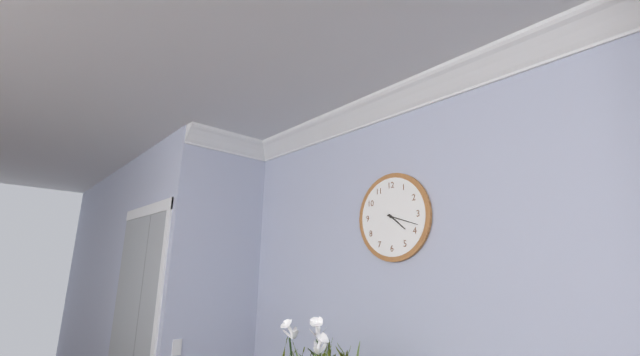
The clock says {"hour": 4, "minute": 18}
